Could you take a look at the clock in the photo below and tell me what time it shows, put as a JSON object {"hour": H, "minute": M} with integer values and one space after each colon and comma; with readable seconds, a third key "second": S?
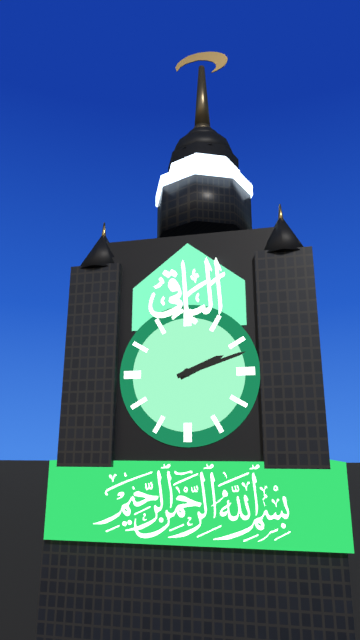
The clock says {"hour": 2, "minute": 12}
